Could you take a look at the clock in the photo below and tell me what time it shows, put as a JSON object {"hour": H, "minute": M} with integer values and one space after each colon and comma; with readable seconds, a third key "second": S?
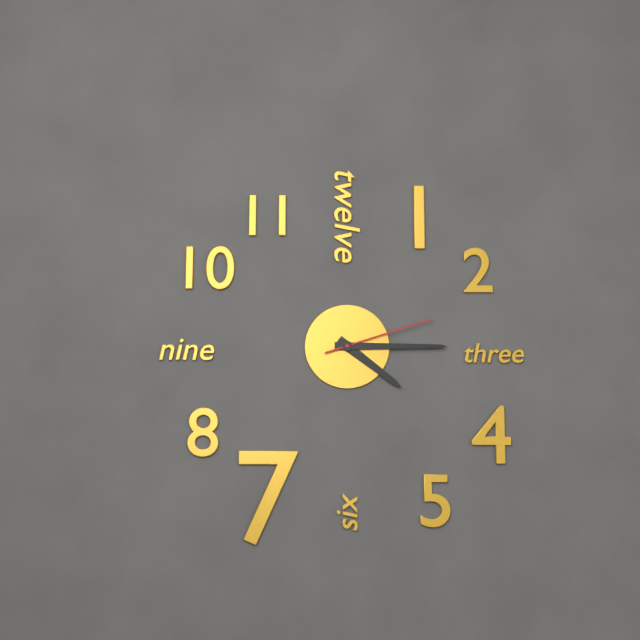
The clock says {"hour": 4, "minute": 15, "second": 12}
